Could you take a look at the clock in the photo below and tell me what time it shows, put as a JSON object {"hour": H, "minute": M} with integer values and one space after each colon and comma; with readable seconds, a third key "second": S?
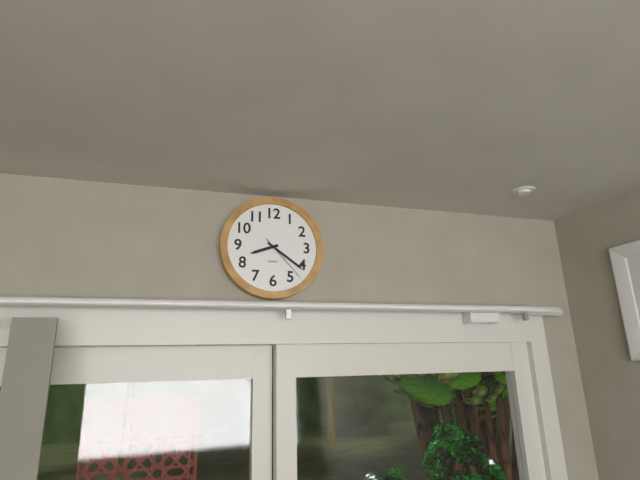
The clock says {"hour": 8, "minute": 21, "second": 23}
